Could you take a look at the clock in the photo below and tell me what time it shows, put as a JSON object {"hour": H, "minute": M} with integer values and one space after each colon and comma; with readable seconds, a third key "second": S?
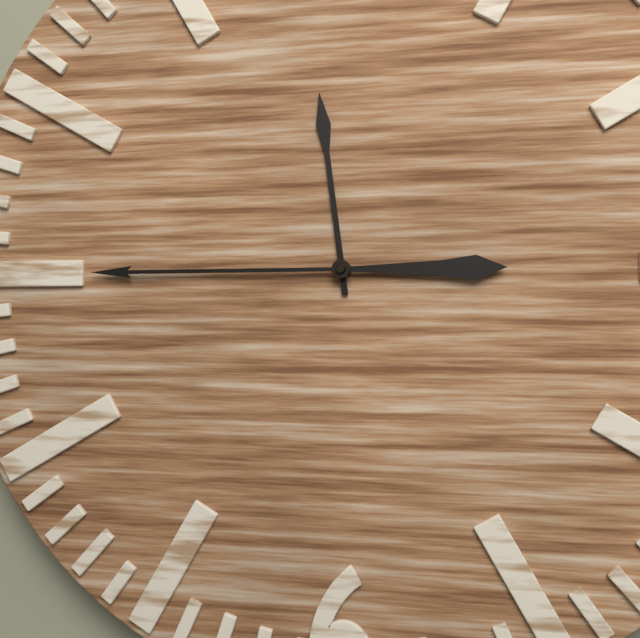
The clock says {"hour": 11, "minute": 45}
